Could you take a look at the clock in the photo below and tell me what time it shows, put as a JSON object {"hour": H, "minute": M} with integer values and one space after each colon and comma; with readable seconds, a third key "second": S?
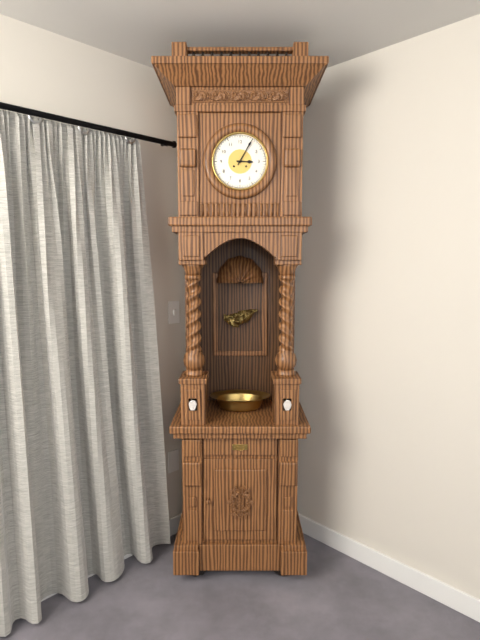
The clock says {"hour": 3, "minute": 5}
